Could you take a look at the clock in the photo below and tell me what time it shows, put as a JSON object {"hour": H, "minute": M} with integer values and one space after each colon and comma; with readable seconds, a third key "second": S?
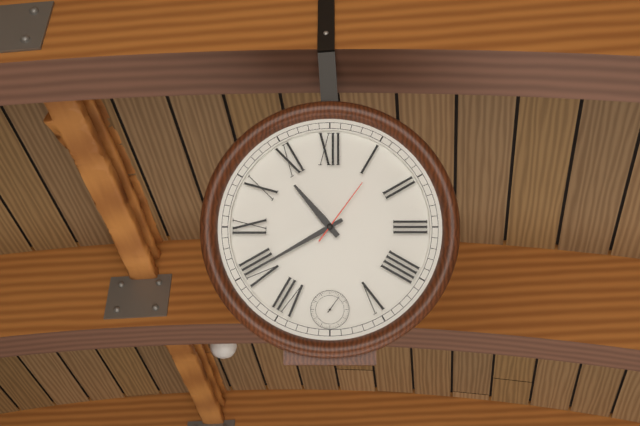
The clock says {"hour": 10, "minute": 40, "second": 6}
